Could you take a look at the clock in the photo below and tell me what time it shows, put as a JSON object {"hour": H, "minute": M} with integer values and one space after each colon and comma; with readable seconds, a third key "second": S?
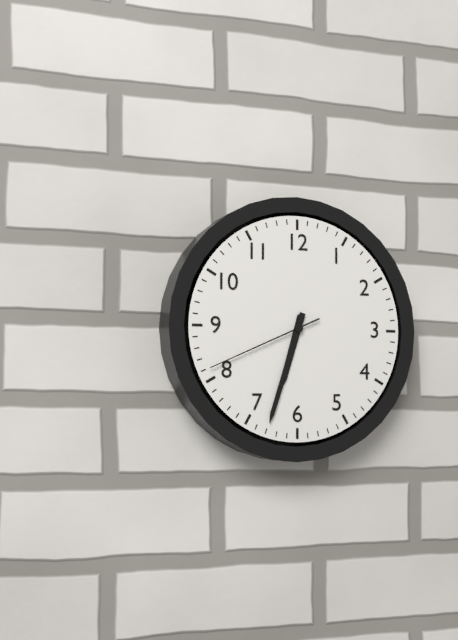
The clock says {"hour": 6, "minute": 33, "second": 41}
